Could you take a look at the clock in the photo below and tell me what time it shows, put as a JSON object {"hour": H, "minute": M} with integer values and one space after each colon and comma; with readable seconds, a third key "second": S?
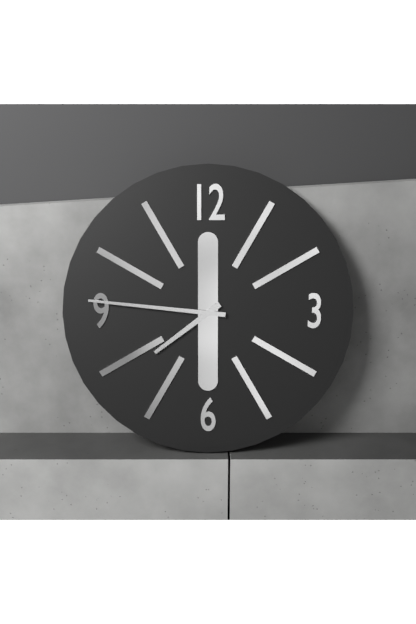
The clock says {"hour": 7, "minute": 46}
